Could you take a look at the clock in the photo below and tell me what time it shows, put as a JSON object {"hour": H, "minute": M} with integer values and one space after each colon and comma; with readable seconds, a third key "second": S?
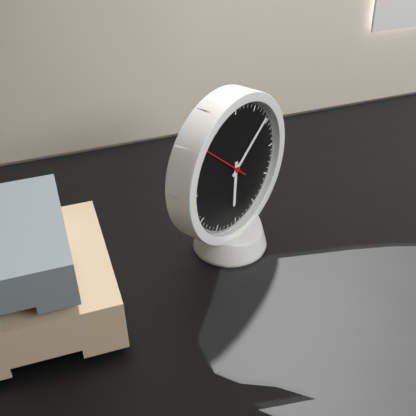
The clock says {"hour": 6, "minute": 9}
